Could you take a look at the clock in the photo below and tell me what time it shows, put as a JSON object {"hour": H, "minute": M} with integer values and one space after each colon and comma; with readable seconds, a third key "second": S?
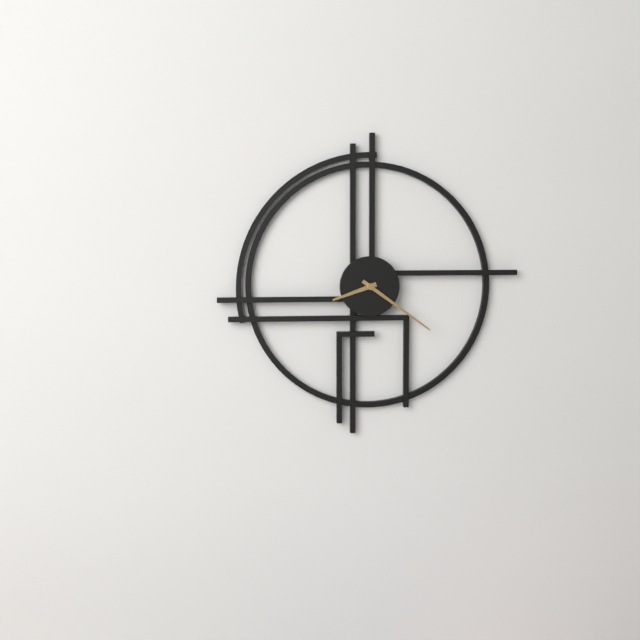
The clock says {"hour": 8, "minute": 21}
